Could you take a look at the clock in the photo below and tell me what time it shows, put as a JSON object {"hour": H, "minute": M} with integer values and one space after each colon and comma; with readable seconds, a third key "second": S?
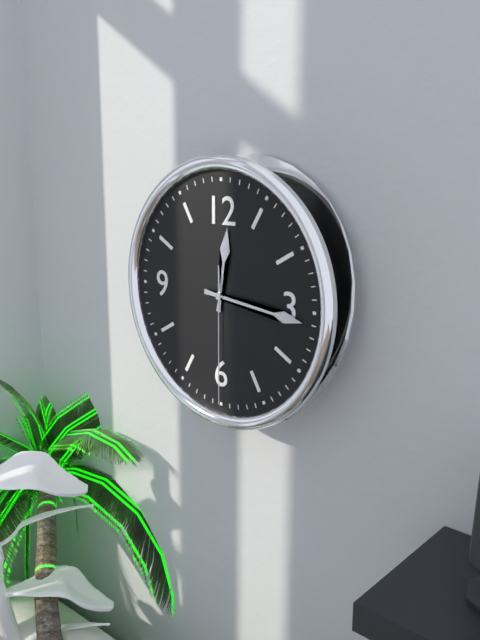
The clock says {"hour": 12, "minute": 16, "second": 30}
